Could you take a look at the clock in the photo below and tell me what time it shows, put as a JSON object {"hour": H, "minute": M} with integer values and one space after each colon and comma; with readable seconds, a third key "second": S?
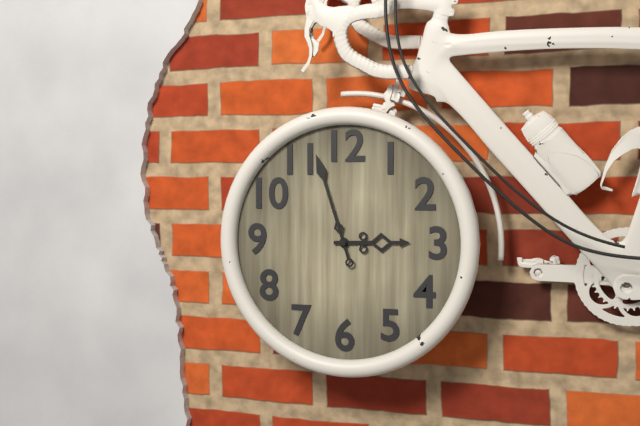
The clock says {"hour": 2, "minute": 57}
